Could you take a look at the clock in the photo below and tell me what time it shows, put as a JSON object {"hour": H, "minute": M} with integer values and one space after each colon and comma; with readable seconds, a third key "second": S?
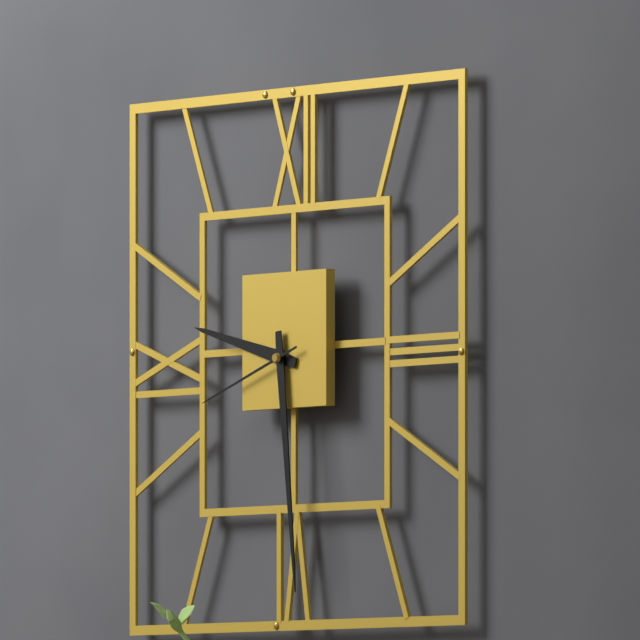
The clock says {"hour": 9, "minute": 29, "second": 42}
